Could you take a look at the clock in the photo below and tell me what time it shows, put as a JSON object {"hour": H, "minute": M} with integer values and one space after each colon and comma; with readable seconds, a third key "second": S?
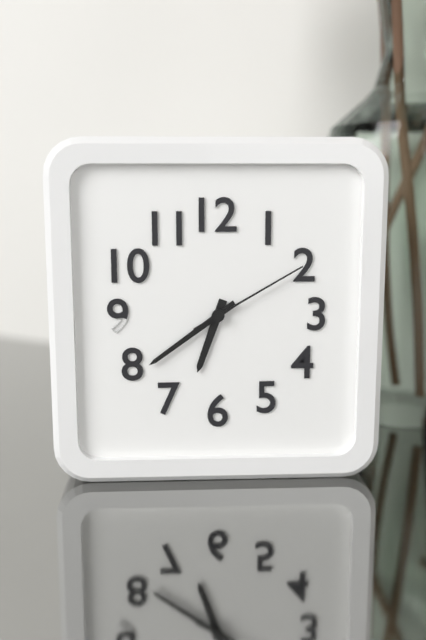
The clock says {"hour": 6, "minute": 39, "second": 10}
